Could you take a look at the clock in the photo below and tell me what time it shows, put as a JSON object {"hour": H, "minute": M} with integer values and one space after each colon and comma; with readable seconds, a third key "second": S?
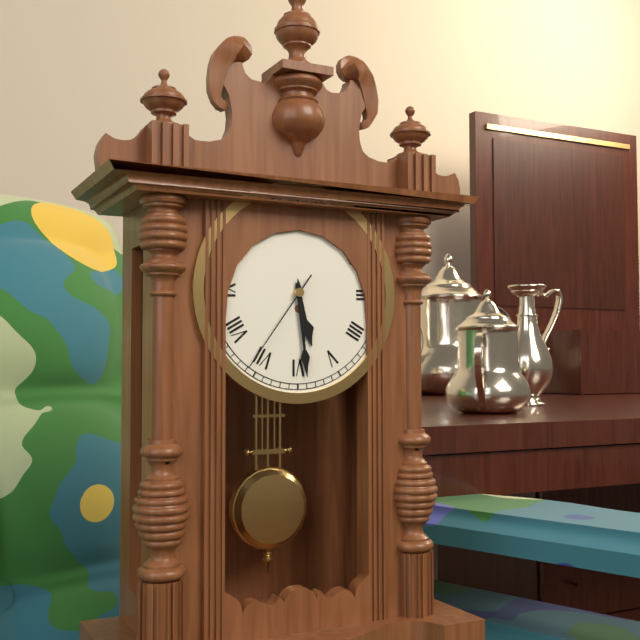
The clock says {"hour": 5, "minute": 29, "second": 36}
